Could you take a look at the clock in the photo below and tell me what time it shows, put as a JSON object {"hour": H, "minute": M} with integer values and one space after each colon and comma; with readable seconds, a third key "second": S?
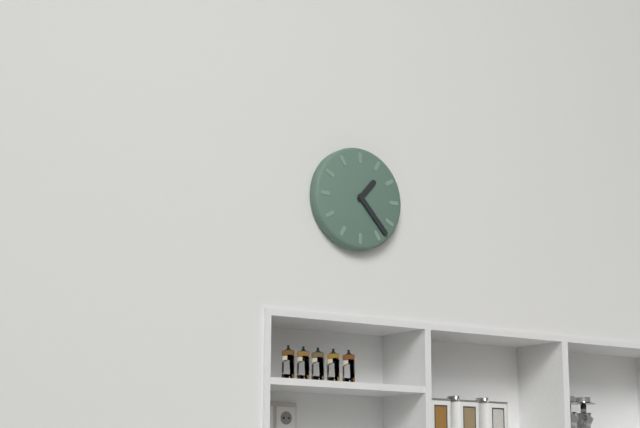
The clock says {"hour": 1, "minute": 23}
